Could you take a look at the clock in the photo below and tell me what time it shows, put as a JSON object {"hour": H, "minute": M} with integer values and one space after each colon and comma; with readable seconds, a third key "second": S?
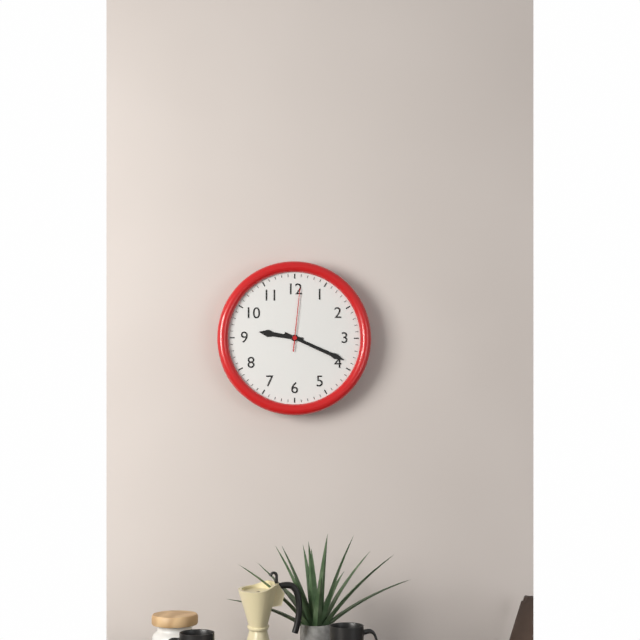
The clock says {"hour": 9, "minute": 19, "second": 1}
